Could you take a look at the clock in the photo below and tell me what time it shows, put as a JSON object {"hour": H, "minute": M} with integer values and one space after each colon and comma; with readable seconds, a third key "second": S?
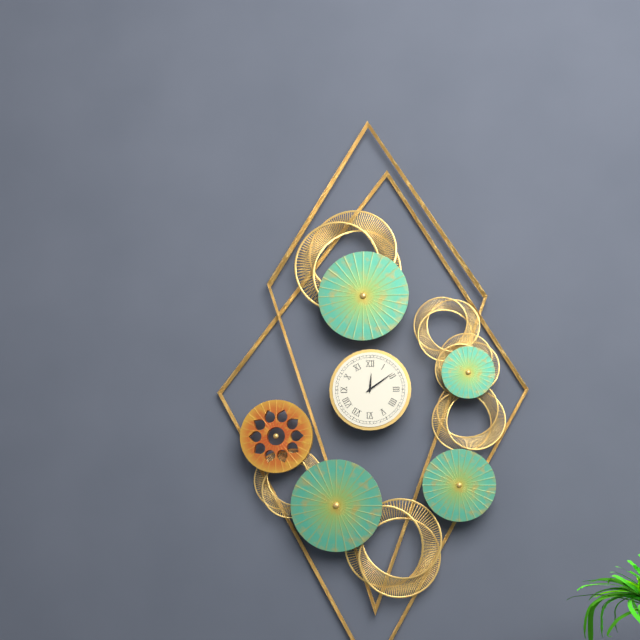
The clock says {"hour": 12, "minute": 9}
